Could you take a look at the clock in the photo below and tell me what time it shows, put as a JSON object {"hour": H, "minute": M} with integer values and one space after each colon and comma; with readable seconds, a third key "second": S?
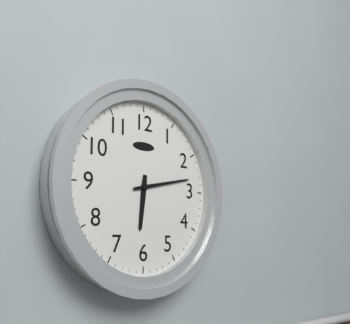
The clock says {"hour": 6, "minute": 13}
